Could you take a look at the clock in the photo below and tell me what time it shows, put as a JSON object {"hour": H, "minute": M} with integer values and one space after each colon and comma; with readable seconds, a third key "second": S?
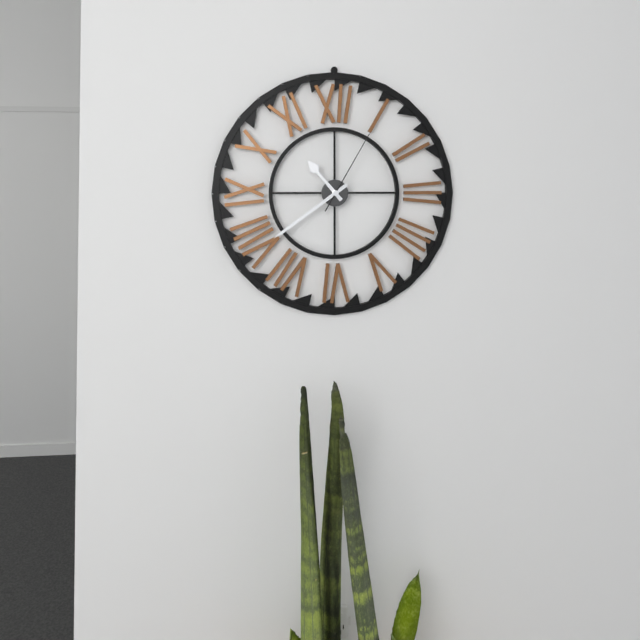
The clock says {"hour": 10, "minute": 39, "second": 5}
